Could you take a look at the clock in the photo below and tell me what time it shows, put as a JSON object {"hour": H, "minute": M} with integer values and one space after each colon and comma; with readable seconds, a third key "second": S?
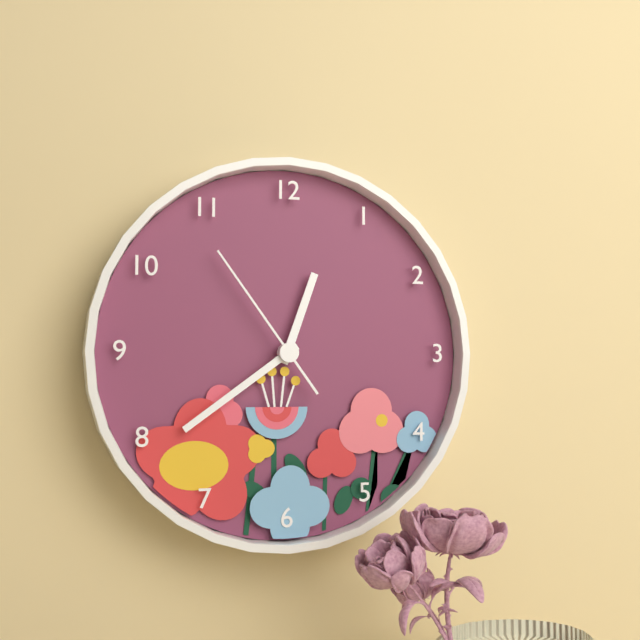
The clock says {"hour": 12, "minute": 39, "second": 54}
